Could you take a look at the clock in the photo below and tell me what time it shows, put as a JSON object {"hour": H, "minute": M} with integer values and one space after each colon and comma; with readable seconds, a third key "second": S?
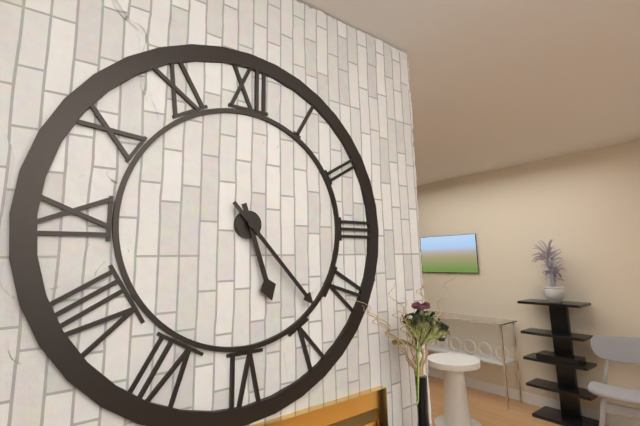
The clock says {"hour": 5, "minute": 23}
